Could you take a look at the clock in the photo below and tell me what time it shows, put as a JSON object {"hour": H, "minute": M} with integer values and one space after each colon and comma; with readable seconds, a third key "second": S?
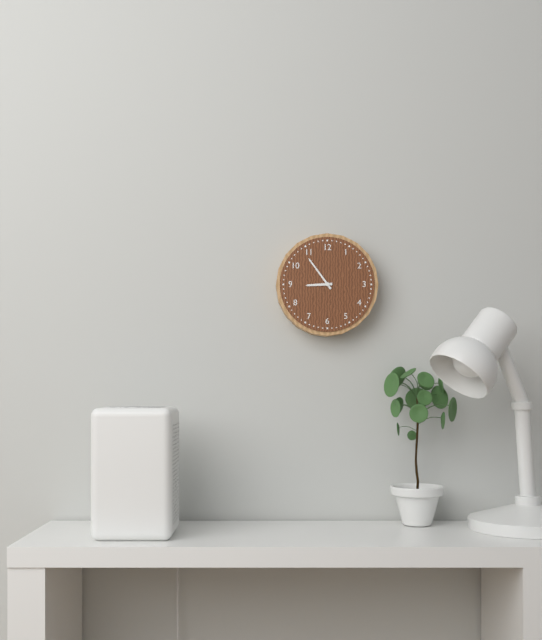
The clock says {"hour": 8, "minute": 54}
